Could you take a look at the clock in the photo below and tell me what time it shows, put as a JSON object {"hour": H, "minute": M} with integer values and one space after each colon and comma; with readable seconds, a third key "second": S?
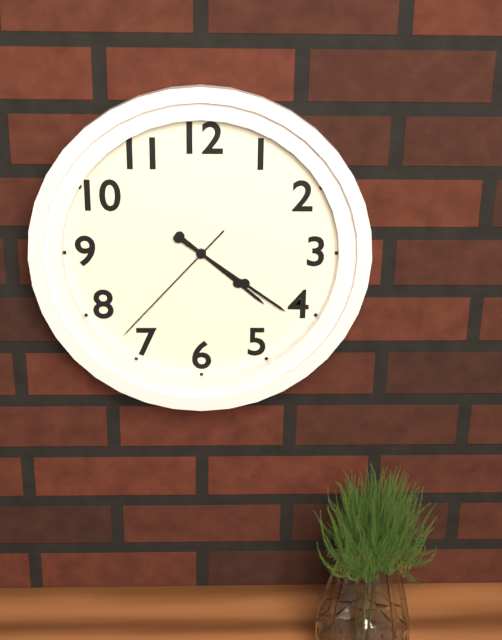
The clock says {"hour": 4, "minute": 21, "second": 37}
